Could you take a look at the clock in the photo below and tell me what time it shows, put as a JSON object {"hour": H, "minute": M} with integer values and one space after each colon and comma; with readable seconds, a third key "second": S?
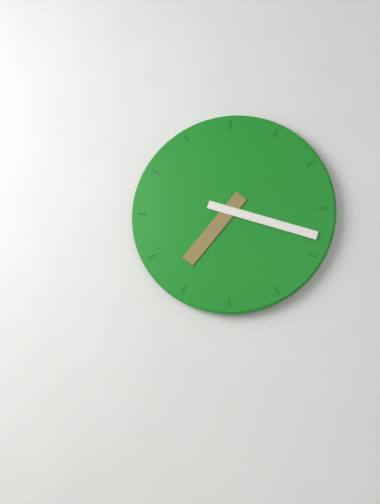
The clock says {"hour": 7, "minute": 18}
